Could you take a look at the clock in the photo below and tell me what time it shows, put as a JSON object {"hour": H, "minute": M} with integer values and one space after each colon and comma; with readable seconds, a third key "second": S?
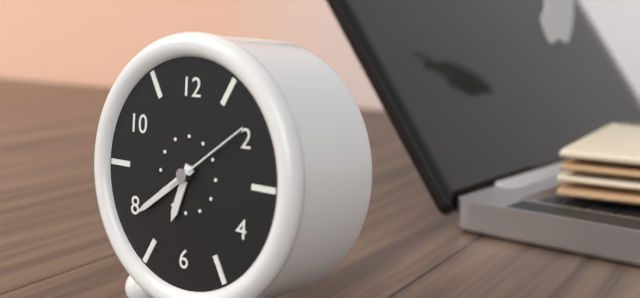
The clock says {"hour": 6, "minute": 39, "second": 9}
